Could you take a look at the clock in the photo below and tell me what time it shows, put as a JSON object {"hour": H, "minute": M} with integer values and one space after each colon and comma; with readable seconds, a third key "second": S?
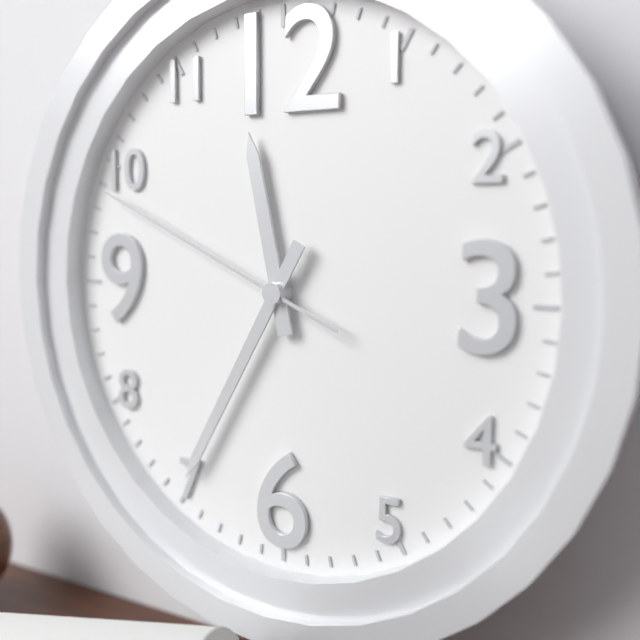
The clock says {"hour": 11, "minute": 35, "second": 49}
